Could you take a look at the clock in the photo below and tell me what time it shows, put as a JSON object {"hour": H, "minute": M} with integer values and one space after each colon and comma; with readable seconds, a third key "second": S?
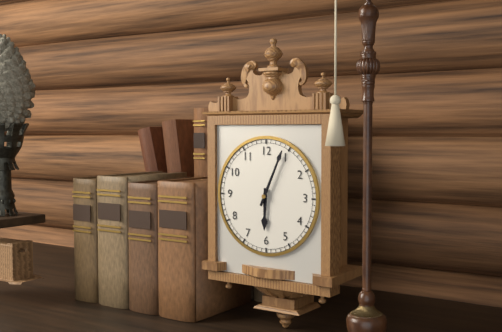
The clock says {"hour": 6, "minute": 4}
